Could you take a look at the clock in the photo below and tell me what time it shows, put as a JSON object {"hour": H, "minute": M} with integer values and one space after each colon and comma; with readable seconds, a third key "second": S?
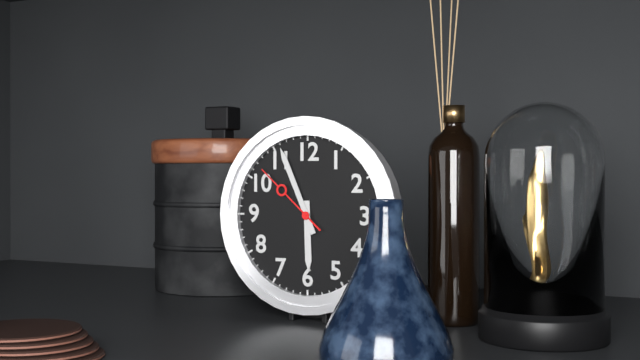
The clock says {"hour": 5, "minute": 56, "second": 52}
